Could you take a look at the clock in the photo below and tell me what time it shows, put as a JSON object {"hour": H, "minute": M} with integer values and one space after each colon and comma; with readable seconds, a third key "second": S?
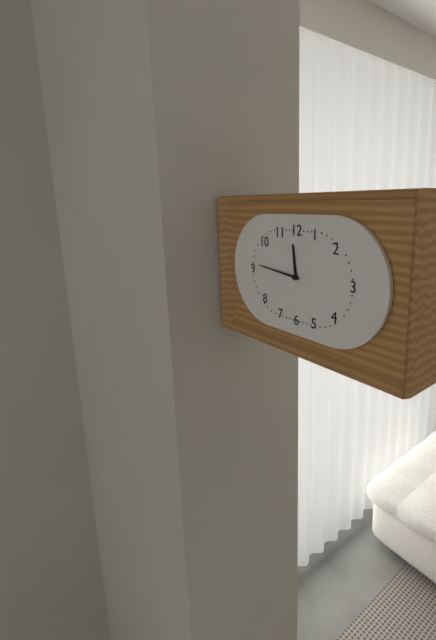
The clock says {"hour": 11, "minute": 46}
